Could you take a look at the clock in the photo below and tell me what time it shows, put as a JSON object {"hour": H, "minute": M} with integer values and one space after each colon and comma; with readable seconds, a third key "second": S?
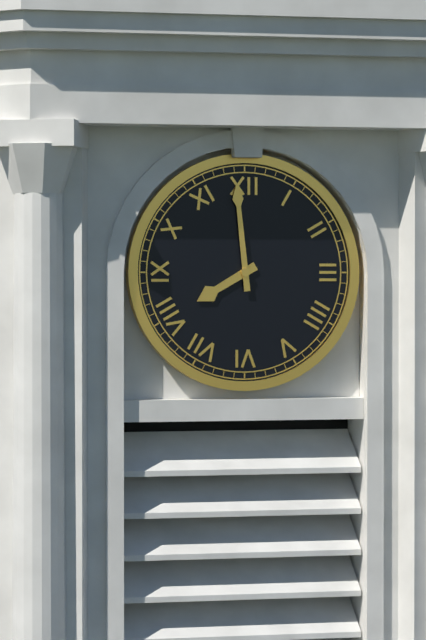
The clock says {"hour": 7, "minute": 59}
